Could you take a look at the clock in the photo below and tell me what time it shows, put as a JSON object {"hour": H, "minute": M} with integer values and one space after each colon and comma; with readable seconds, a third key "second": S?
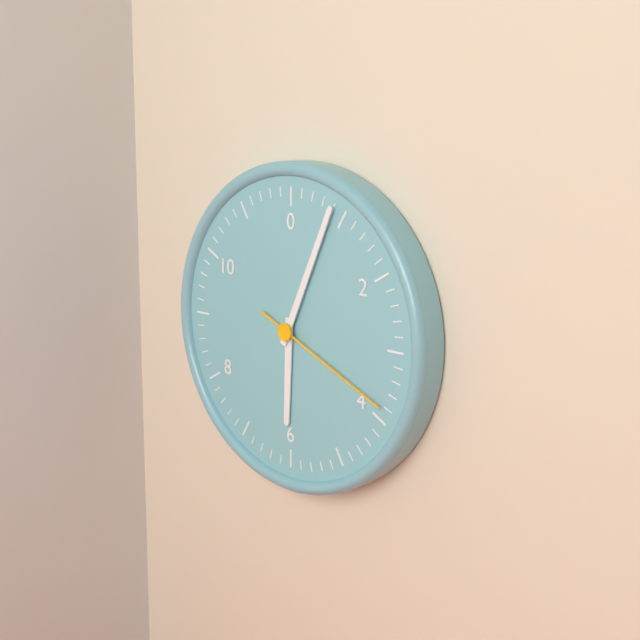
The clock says {"hour": 6, "minute": 4, "second": 19}
